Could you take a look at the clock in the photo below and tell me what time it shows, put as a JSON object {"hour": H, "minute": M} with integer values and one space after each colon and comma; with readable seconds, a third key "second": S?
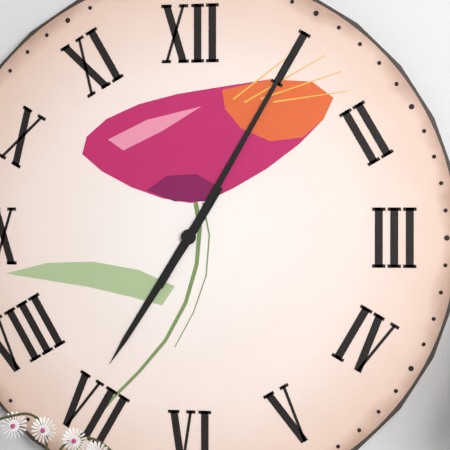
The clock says {"hour": 7, "minute": 5}
